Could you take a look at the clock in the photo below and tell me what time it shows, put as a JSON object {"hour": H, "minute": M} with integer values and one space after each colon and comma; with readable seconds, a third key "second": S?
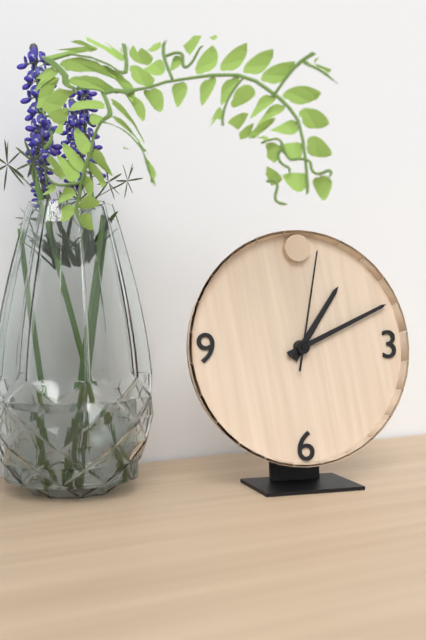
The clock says {"hour": 1, "minute": 11, "second": 2}
